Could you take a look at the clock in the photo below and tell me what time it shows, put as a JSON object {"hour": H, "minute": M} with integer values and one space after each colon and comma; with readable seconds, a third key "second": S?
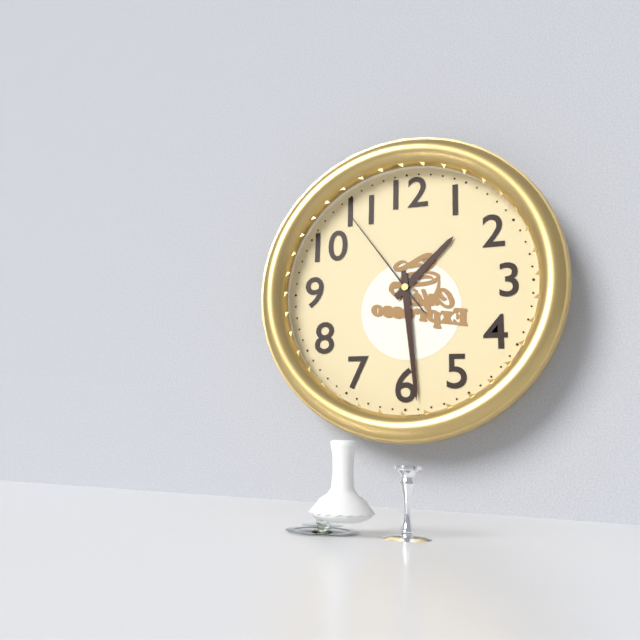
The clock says {"hour": 1, "minute": 29, "second": 54}
